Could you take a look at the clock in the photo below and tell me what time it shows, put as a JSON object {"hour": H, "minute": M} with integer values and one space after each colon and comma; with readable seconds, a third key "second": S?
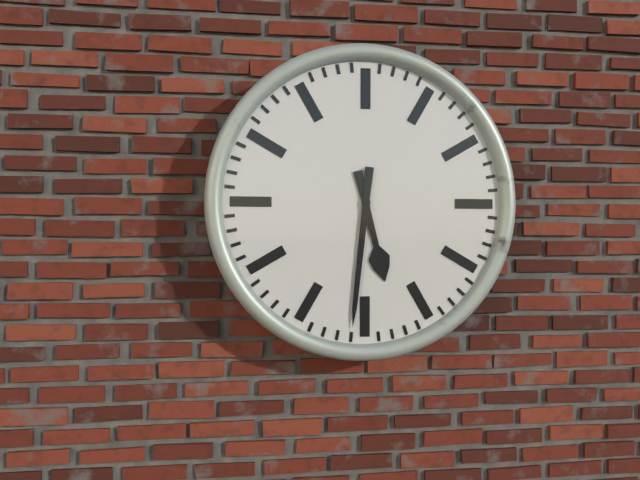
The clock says {"hour": 5, "minute": 31}
